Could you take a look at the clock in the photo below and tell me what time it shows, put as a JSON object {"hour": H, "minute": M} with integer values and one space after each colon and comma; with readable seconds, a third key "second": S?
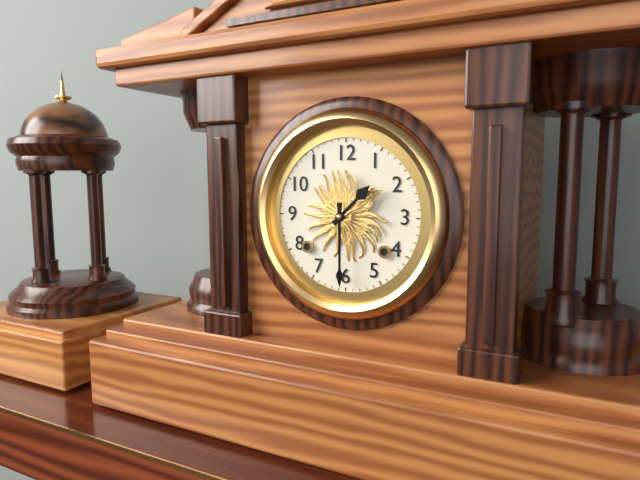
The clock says {"hour": 1, "minute": 30}
